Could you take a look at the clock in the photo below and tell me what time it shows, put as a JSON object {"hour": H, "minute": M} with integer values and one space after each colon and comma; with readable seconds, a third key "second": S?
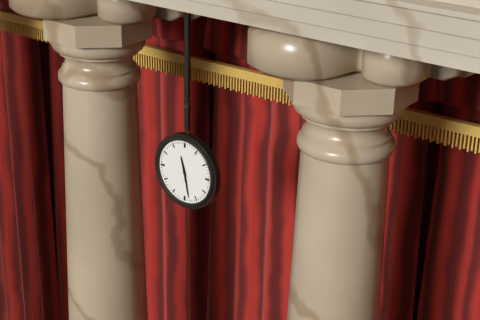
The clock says {"hour": 11, "minute": 28}
